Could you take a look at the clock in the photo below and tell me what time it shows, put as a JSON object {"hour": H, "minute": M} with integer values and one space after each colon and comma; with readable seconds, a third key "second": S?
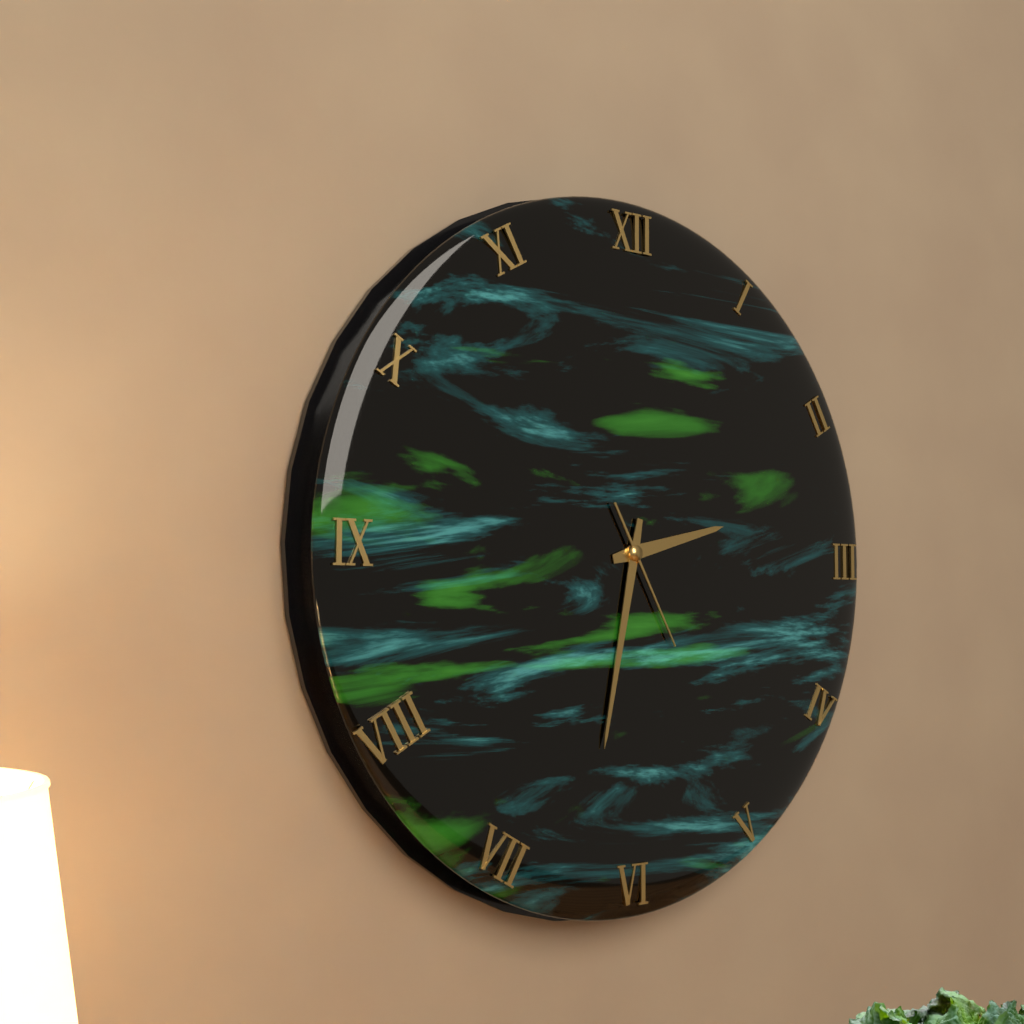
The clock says {"hour": 2, "minute": 32, "second": 25}
